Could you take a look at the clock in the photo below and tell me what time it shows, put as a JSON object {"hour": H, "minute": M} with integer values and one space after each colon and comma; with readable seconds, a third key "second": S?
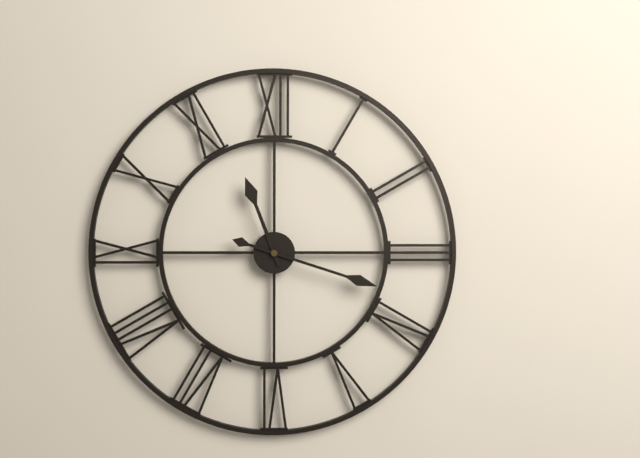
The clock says {"hour": 11, "minute": 18}
